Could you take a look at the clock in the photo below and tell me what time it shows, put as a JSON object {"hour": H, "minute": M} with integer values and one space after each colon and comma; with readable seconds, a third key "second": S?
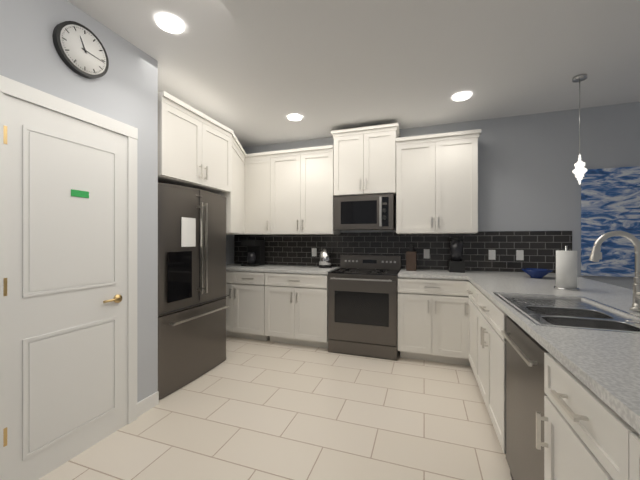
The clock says {"hour": 11, "minute": 16}
